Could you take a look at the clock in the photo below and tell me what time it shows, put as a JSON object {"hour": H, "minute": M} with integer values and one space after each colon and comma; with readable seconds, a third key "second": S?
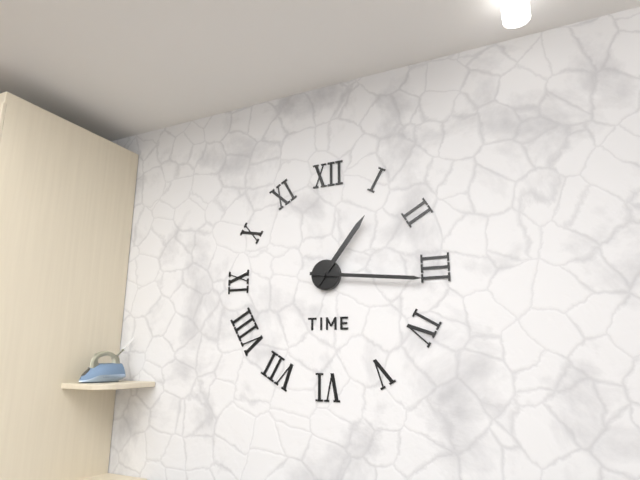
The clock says {"hour": 1, "minute": 16}
